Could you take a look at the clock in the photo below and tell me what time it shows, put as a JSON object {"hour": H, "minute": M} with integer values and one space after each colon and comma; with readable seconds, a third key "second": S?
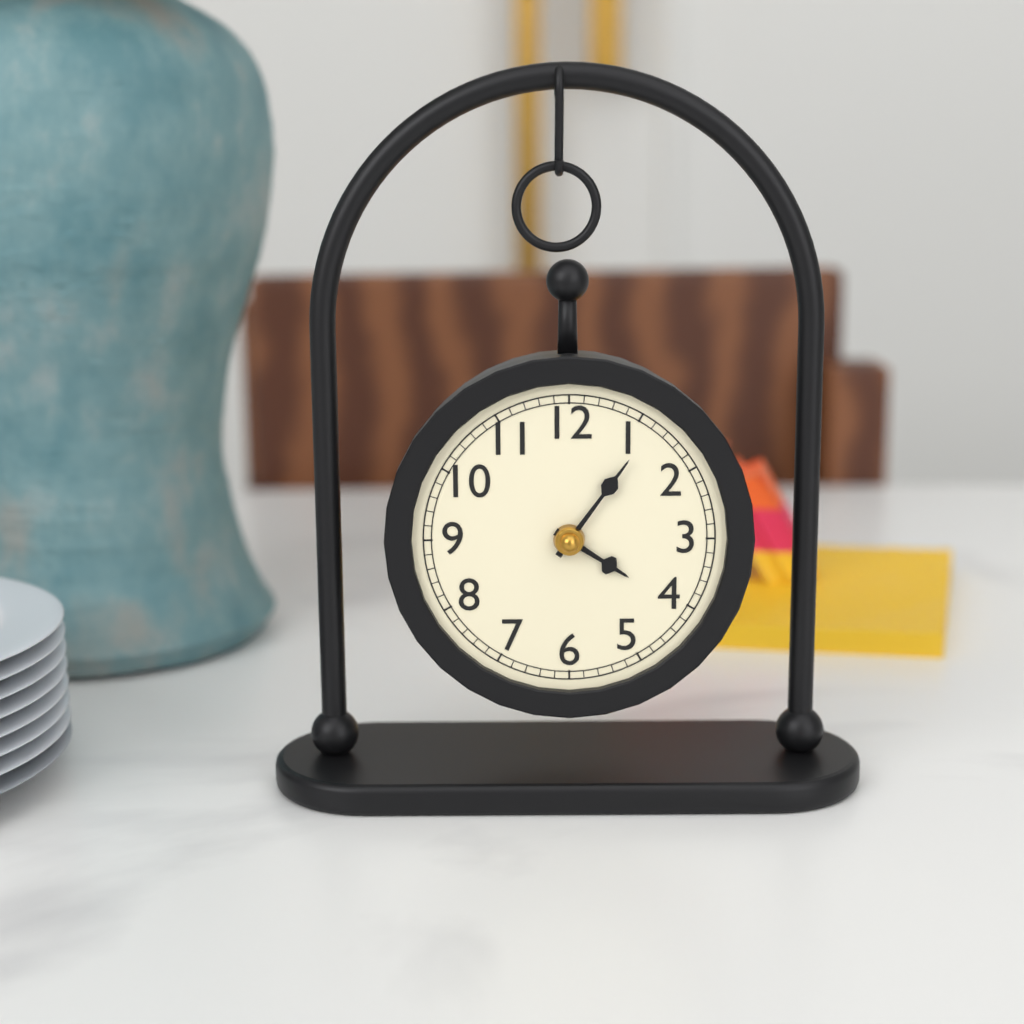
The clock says {"hour": 4, "minute": 6}
